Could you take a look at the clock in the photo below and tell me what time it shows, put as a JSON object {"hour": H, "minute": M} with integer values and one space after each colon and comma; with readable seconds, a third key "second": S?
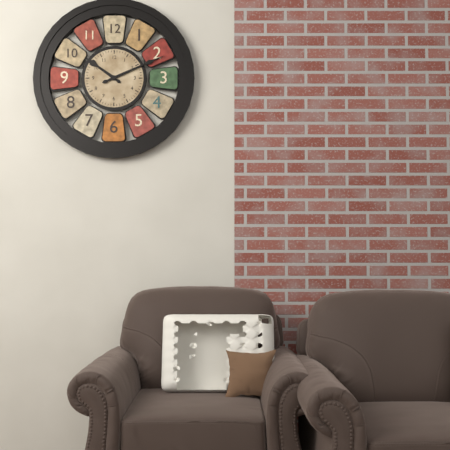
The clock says {"hour": 10, "minute": 11}
